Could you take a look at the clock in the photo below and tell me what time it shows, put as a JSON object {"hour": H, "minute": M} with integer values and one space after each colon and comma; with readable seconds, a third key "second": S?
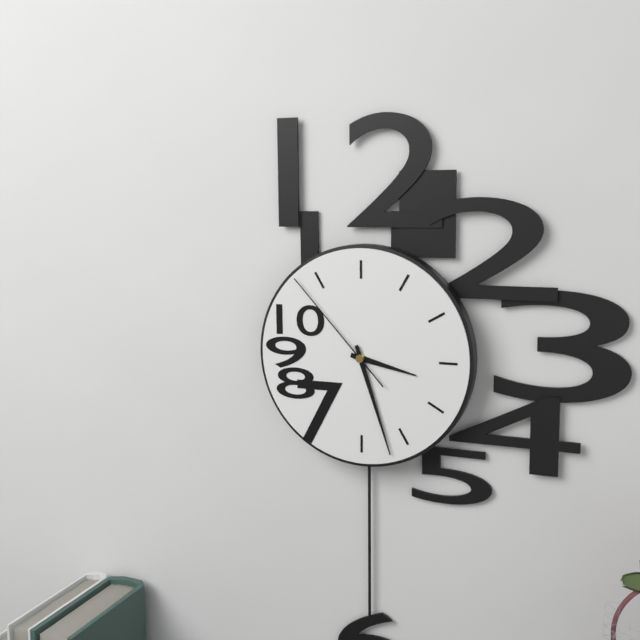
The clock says {"hour": 3, "minute": 27, "second": 53}
